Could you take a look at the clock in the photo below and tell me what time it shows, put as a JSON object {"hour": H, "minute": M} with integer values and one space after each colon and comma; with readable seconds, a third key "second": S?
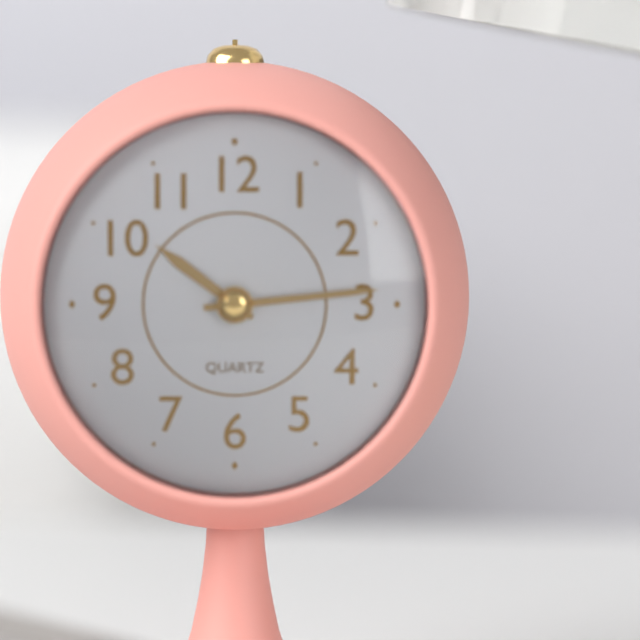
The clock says {"hour": 10, "minute": 14}
